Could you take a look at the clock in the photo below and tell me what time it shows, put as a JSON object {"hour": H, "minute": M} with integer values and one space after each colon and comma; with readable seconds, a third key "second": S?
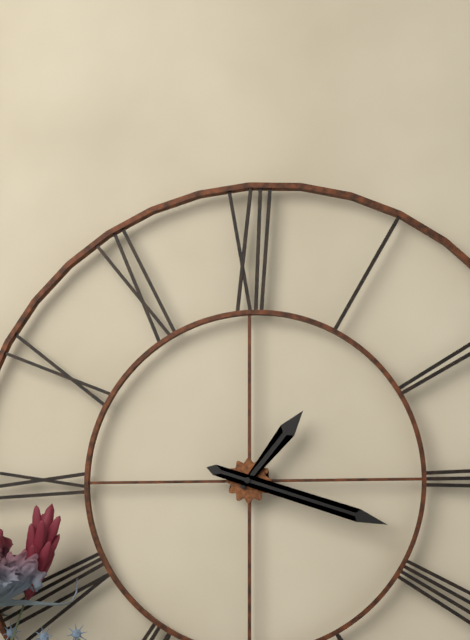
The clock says {"hour": 1, "minute": 18}
